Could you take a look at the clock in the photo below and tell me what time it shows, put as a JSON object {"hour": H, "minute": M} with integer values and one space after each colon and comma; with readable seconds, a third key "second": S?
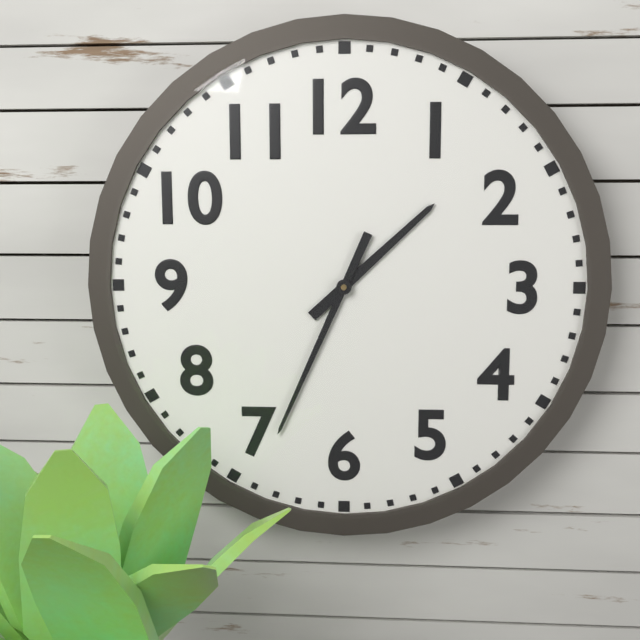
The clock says {"hour": 1, "minute": 34}
